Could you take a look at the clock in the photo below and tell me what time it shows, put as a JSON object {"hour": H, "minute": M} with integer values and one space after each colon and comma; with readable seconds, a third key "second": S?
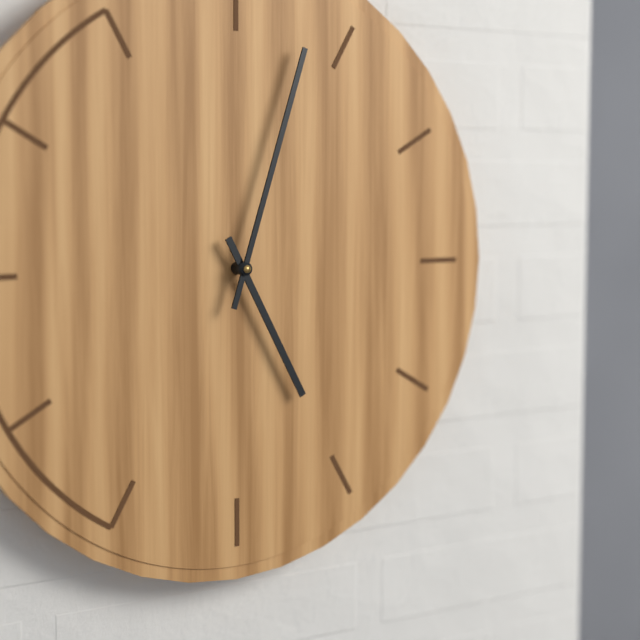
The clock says {"hour": 5, "minute": 3}
